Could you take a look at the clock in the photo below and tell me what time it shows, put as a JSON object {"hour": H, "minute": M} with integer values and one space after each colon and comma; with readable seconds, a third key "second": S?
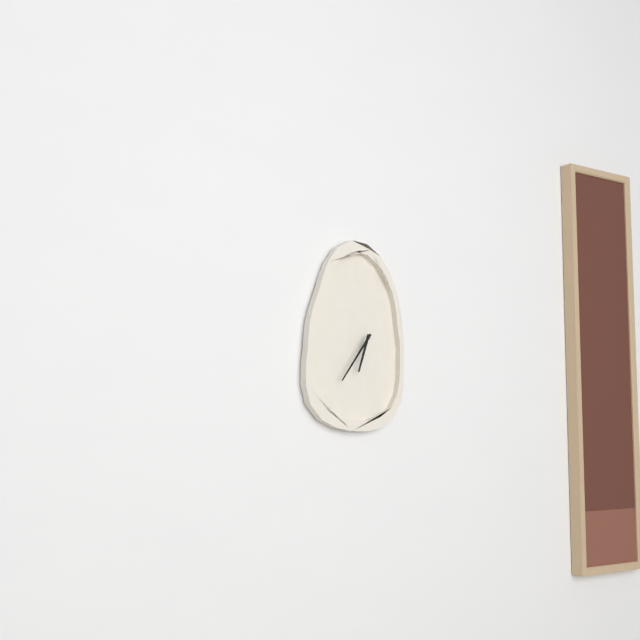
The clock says {"hour": 6, "minute": 36}
